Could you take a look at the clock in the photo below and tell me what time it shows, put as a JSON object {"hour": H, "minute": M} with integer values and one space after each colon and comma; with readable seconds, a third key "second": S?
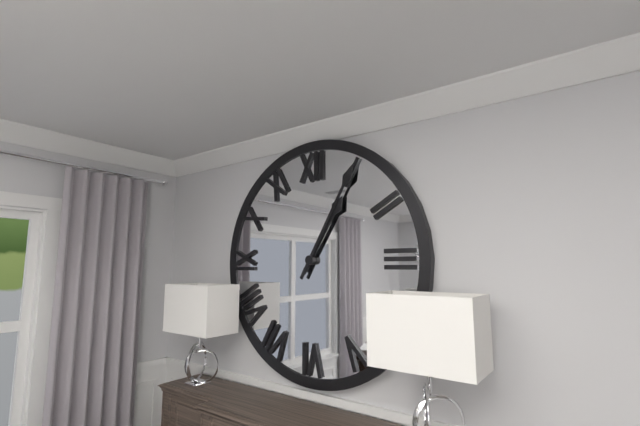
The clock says {"hour": 1, "minute": 5}
